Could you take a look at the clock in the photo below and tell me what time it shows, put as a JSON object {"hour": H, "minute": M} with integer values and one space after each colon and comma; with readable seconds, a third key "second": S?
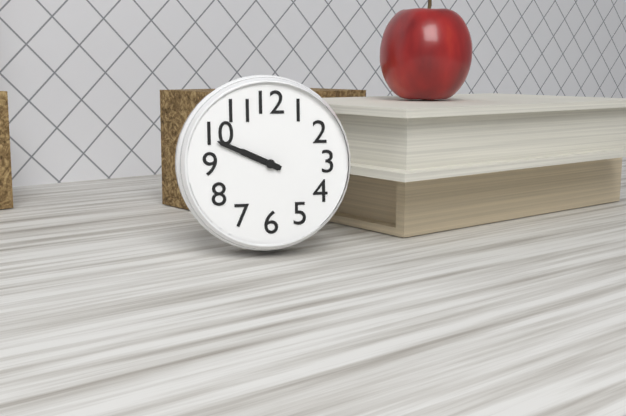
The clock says {"hour": 9, "minute": 49}
